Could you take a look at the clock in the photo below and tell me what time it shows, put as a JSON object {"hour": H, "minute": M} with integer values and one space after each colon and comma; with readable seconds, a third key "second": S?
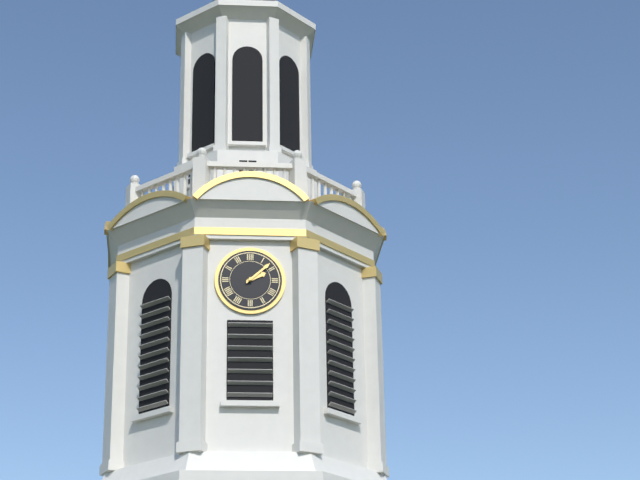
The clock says {"hour": 2, "minute": 8}
